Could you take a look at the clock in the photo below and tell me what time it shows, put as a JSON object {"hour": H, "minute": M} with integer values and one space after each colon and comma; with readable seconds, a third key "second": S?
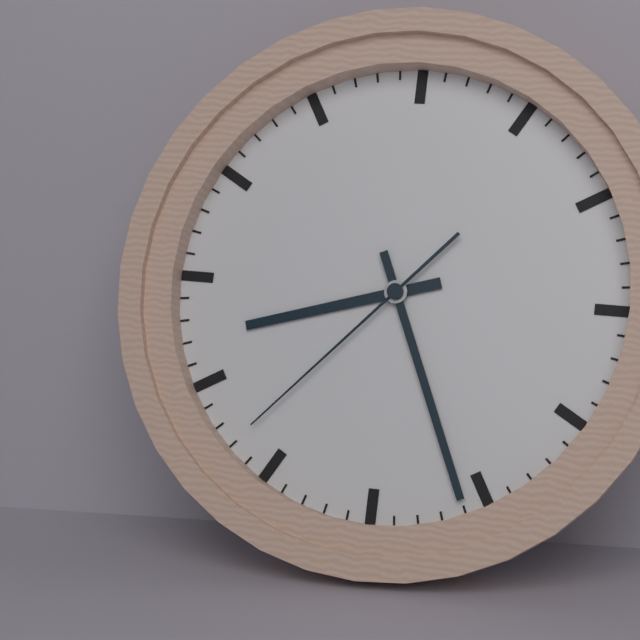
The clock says {"hour": 8, "minute": 26, "second": 37}
